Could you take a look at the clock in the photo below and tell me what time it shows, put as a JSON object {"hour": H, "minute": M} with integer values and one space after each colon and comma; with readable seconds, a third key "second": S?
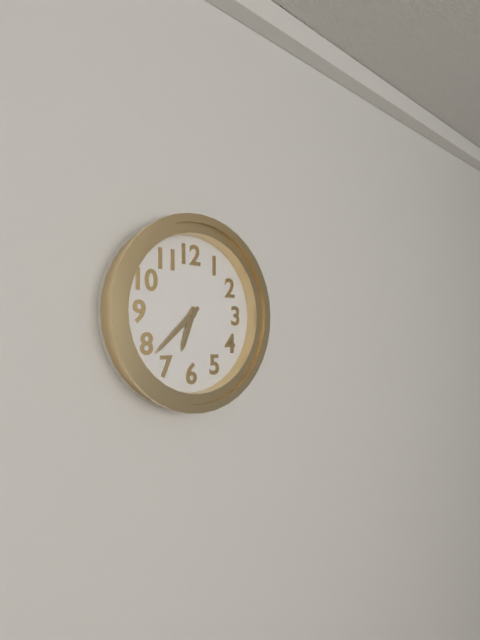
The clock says {"hour": 6, "minute": 38}
